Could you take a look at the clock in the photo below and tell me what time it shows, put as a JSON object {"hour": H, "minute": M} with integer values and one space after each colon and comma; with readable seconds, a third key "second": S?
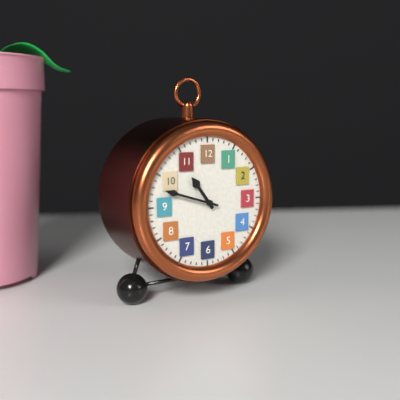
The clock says {"hour": 10, "minute": 48}
